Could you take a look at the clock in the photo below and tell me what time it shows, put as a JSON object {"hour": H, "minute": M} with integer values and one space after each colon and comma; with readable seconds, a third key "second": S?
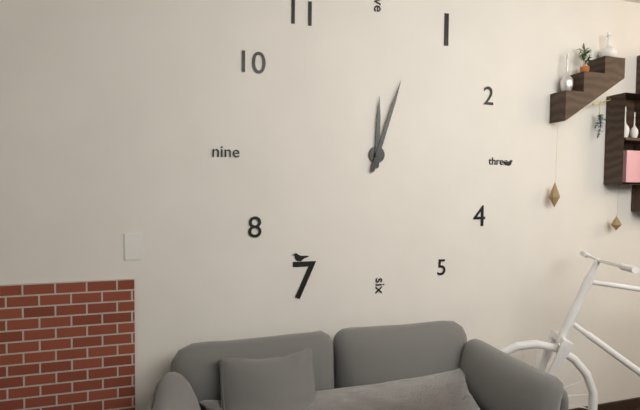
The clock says {"hour": 12, "minute": 3}
